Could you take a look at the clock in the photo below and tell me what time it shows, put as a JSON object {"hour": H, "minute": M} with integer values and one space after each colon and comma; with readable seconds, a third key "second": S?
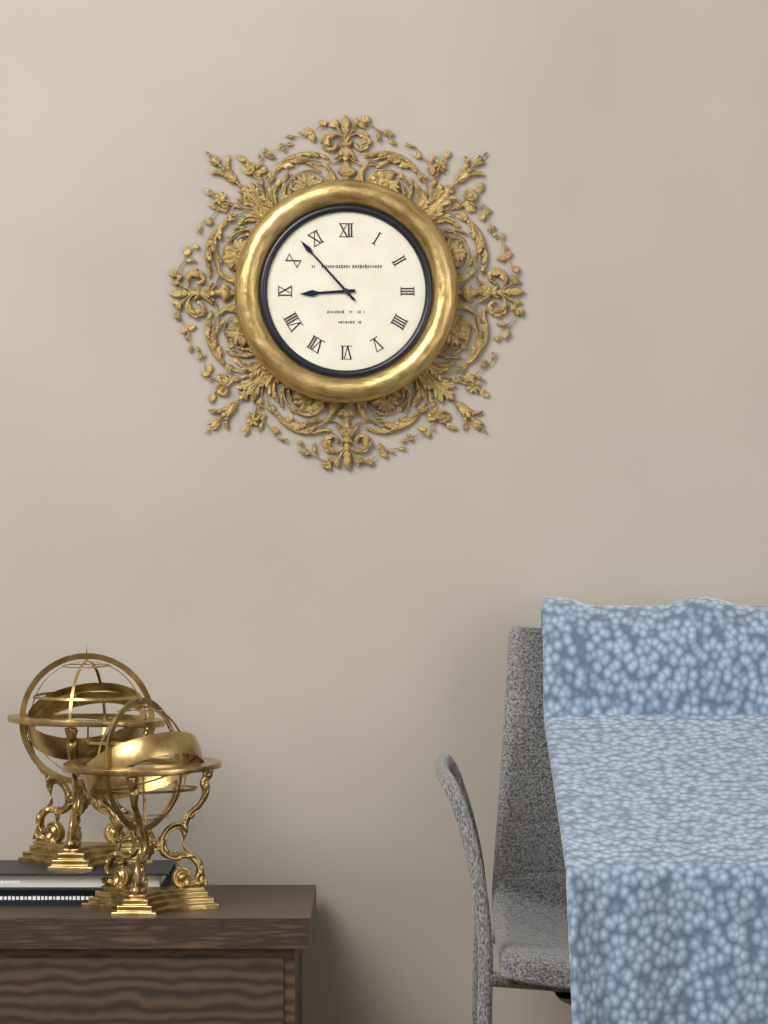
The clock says {"hour": 8, "minute": 53}
